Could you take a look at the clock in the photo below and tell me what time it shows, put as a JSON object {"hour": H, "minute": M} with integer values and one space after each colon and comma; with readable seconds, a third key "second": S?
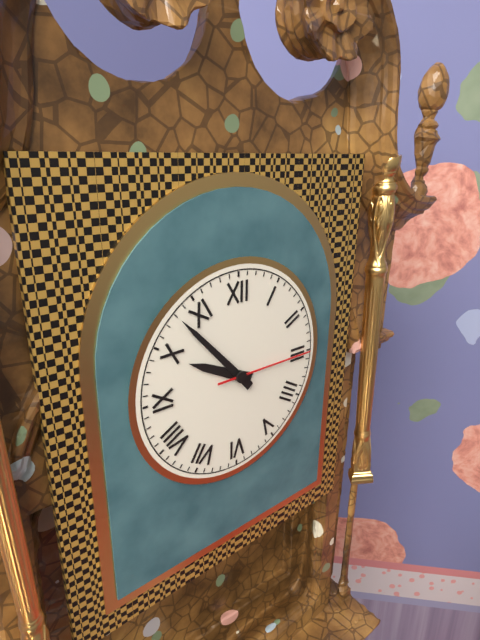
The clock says {"hour": 9, "minute": 53, "second": 15}
